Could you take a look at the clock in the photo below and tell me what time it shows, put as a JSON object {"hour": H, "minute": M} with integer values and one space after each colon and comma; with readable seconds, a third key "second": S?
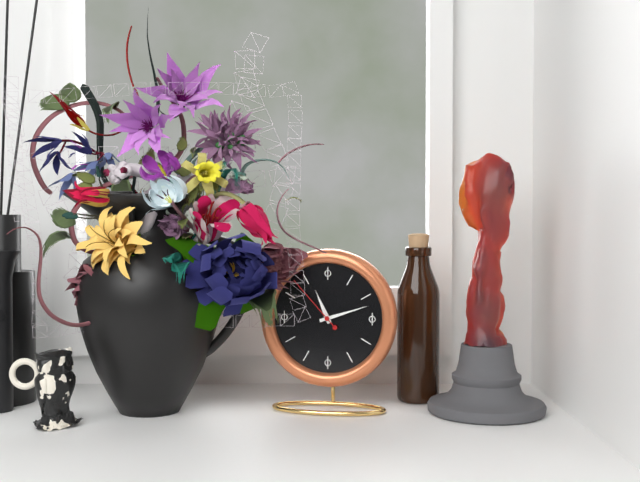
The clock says {"hour": 11, "minute": 12, "second": 53}
